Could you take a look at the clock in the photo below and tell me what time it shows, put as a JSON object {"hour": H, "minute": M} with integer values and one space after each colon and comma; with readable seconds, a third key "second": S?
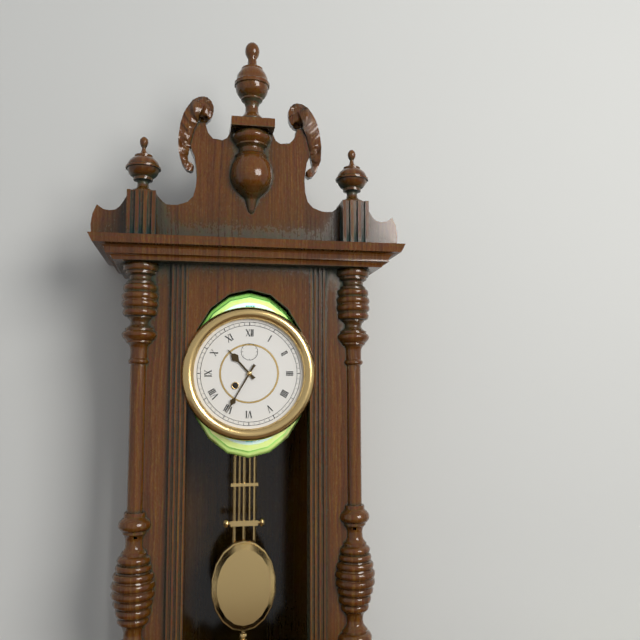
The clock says {"hour": 10, "minute": 35}
